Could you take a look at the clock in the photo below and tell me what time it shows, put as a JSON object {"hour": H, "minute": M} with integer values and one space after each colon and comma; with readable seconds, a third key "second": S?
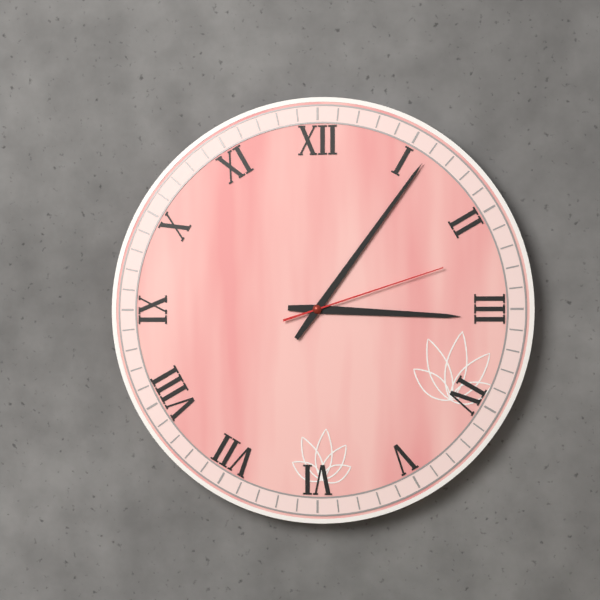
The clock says {"hour": 3, "minute": 6, "second": 12}
